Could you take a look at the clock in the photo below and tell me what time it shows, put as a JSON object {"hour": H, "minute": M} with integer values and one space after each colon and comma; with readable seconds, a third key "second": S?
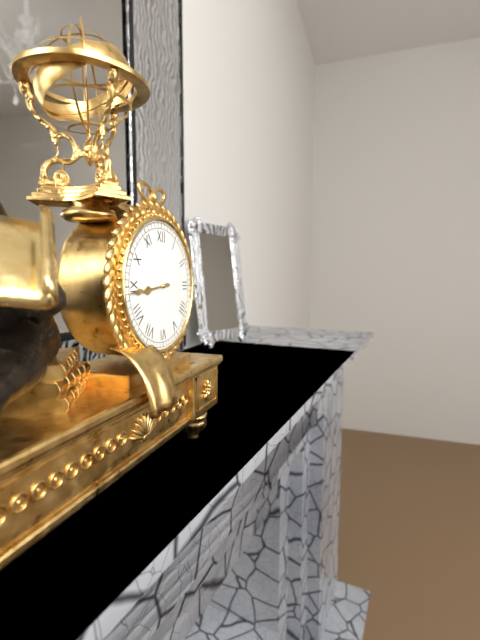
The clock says {"hour": 8, "minute": 44}
